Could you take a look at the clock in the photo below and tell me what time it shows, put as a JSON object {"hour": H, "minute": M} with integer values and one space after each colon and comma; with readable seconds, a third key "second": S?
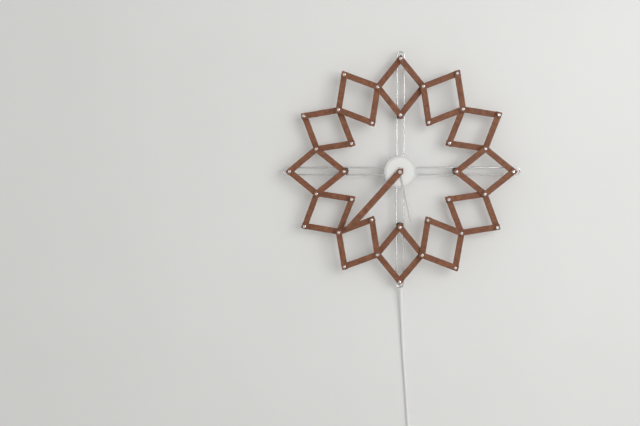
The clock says {"hour": 5, "minute": 37}
